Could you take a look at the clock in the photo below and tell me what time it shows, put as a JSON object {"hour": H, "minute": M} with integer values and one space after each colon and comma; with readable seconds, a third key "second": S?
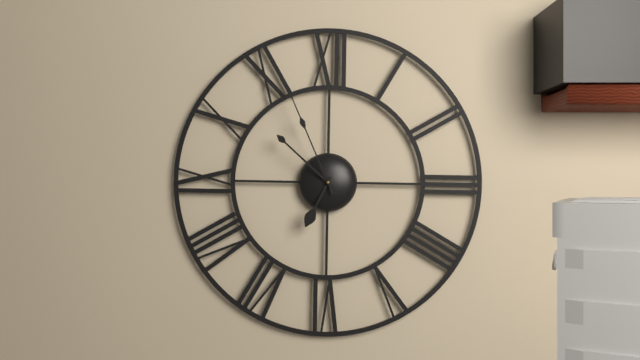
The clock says {"hour": 6, "minute": 52, "second": 56}
